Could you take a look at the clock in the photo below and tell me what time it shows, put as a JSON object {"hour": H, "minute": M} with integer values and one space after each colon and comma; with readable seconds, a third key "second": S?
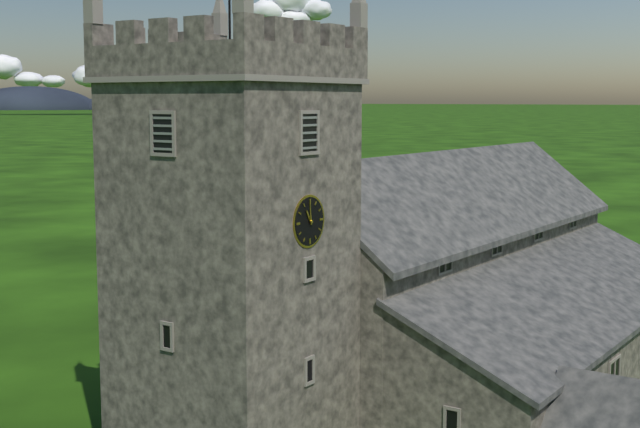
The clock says {"hour": 10, "minute": 59}
